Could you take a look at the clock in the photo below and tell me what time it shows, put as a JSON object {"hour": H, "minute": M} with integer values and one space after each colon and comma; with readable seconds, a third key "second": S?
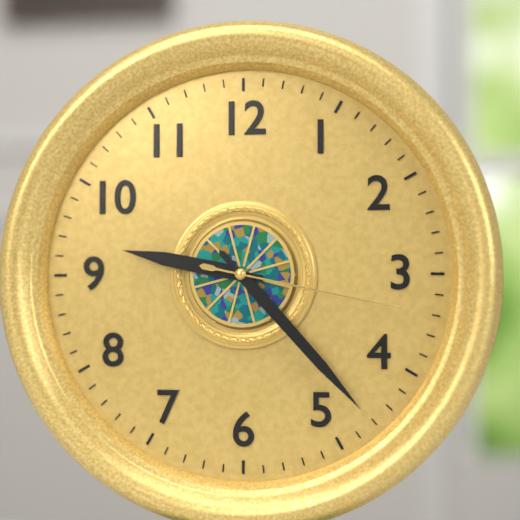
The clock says {"hour": 9, "minute": 23, "second": 17}
